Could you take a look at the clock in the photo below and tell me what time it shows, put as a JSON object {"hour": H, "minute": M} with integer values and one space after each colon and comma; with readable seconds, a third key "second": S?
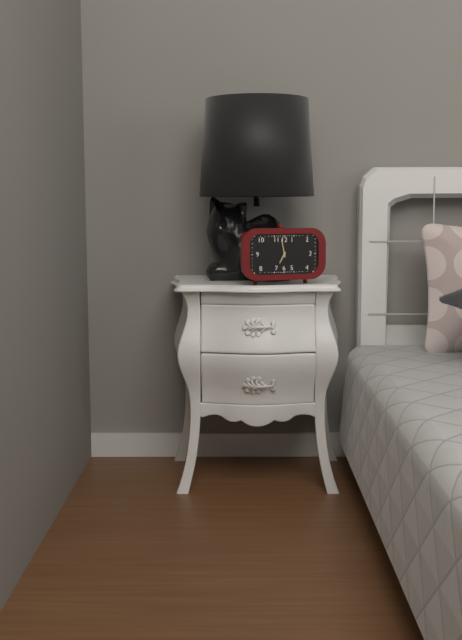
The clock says {"hour": 6, "minute": 58}
